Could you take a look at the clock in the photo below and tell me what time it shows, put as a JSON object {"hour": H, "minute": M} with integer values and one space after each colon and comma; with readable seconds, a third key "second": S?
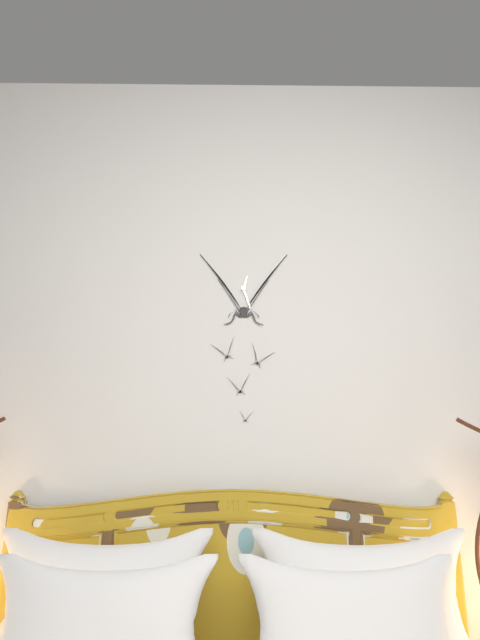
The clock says {"hour": 12, "minute": 27}
